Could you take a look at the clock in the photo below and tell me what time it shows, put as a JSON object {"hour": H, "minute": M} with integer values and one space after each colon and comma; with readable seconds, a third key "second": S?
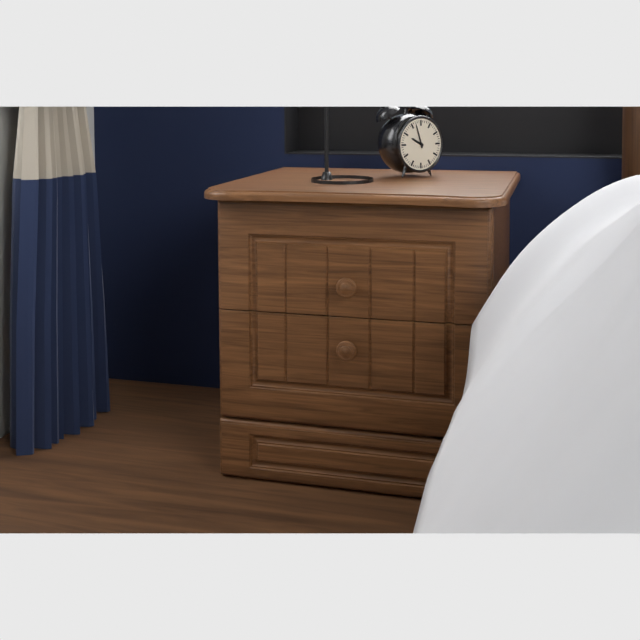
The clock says {"hour": 9, "minute": 57}
